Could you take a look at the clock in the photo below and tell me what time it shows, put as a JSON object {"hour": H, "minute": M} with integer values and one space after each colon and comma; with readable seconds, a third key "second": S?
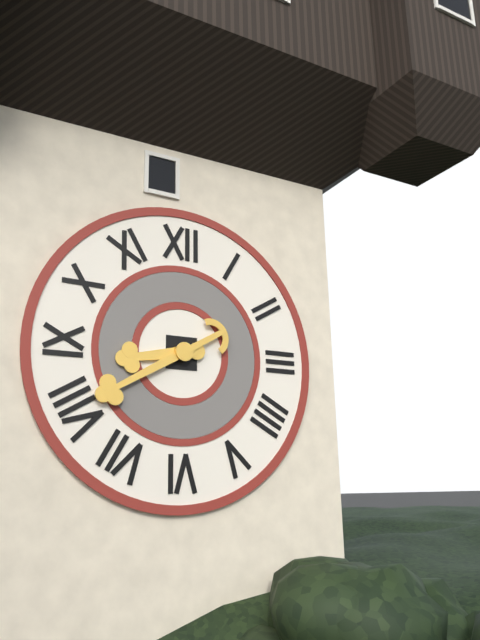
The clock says {"hour": 8, "minute": 40}
